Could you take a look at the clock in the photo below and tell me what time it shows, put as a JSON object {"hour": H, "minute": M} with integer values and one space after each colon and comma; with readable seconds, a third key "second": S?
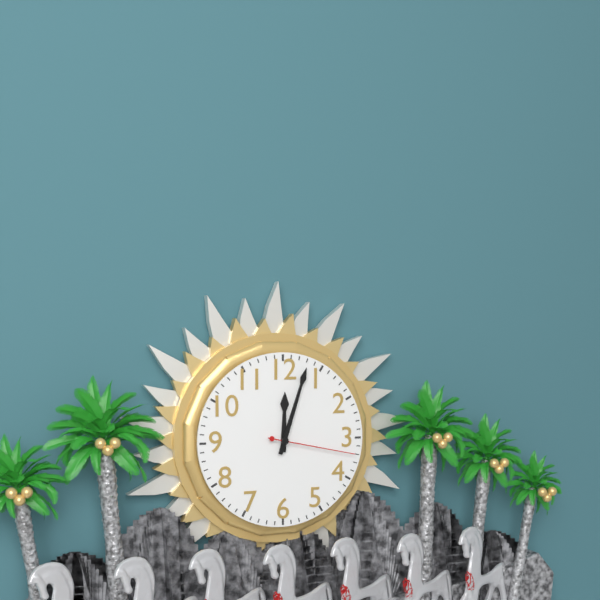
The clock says {"hour": 12, "minute": 3, "second": 17}
